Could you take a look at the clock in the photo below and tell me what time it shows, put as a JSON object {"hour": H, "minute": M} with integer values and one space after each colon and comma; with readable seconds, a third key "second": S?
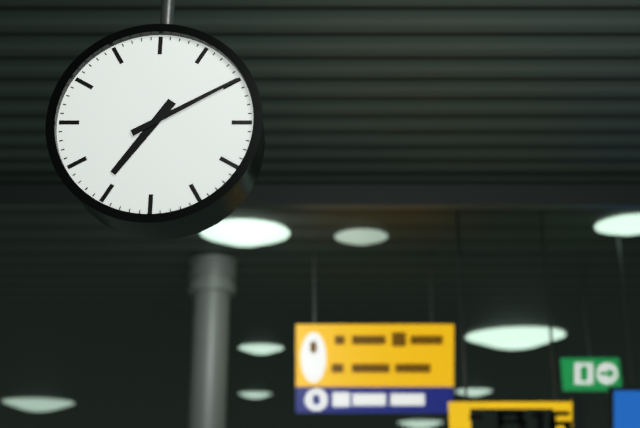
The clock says {"hour": 7, "minute": 10}
